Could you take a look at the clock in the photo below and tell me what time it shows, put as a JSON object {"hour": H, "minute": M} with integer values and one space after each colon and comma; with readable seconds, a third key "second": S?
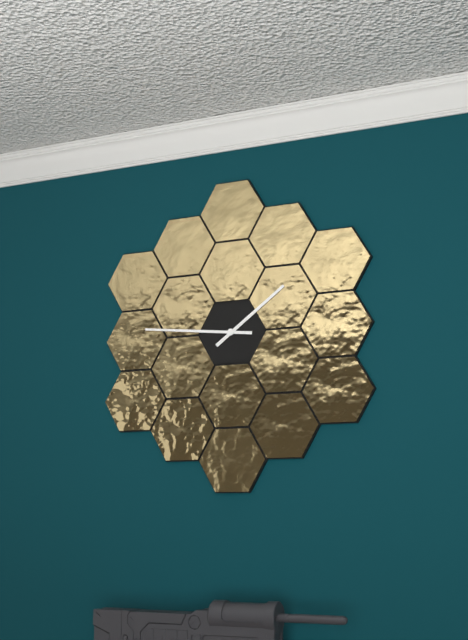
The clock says {"hour": 1, "minute": 46}
